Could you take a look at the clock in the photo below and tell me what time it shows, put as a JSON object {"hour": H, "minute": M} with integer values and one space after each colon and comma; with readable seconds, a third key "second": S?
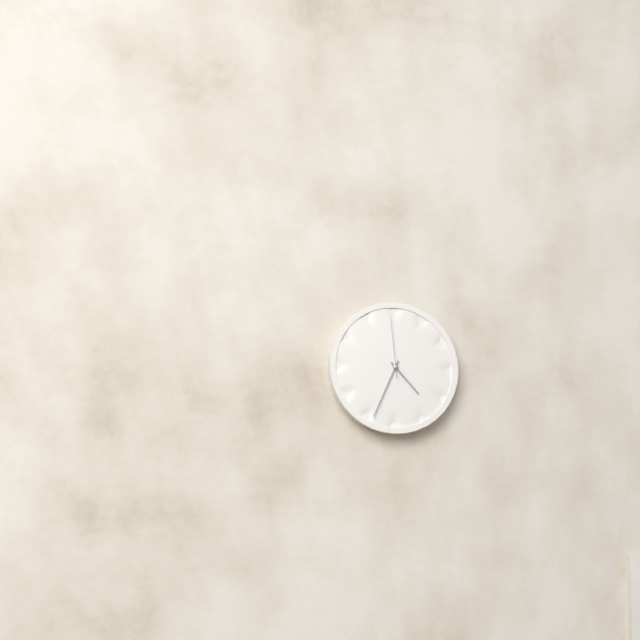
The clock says {"hour": 4, "minute": 34, "second": 59}
